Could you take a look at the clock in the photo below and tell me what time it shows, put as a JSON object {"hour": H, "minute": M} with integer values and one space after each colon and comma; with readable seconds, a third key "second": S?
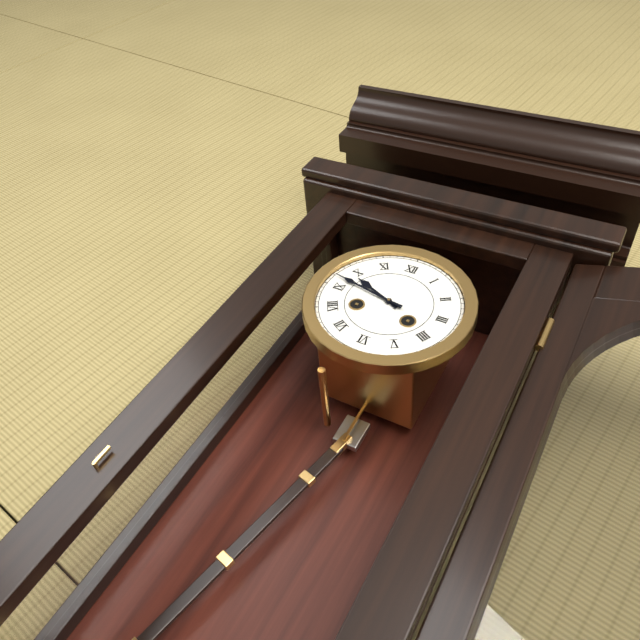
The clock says {"hour": 9, "minute": 47}
